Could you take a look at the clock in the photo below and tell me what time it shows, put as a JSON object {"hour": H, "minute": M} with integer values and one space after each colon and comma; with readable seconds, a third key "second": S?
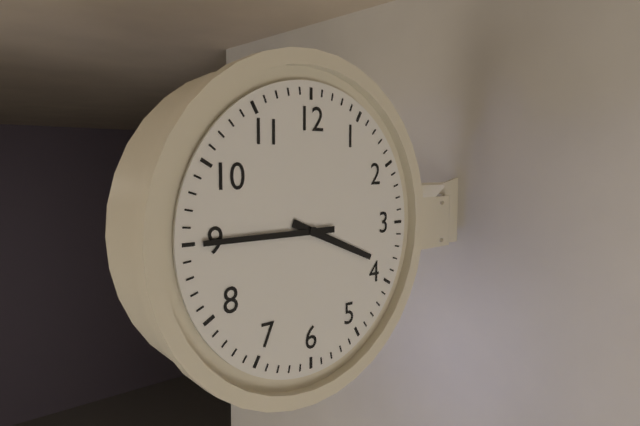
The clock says {"hour": 3, "minute": 45}
